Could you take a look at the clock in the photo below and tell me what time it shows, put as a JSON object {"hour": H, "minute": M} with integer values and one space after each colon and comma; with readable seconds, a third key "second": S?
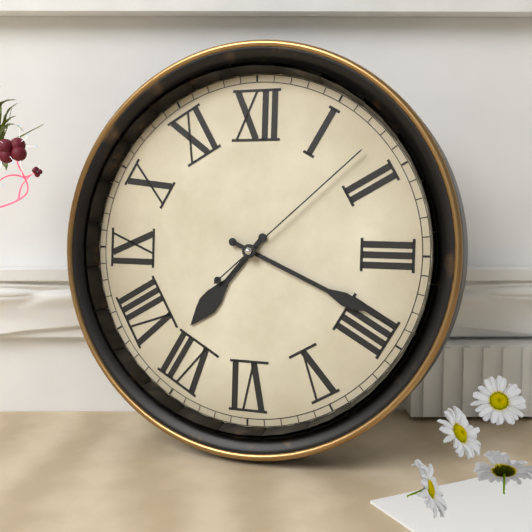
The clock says {"hour": 7, "minute": 19, "second": 8}
